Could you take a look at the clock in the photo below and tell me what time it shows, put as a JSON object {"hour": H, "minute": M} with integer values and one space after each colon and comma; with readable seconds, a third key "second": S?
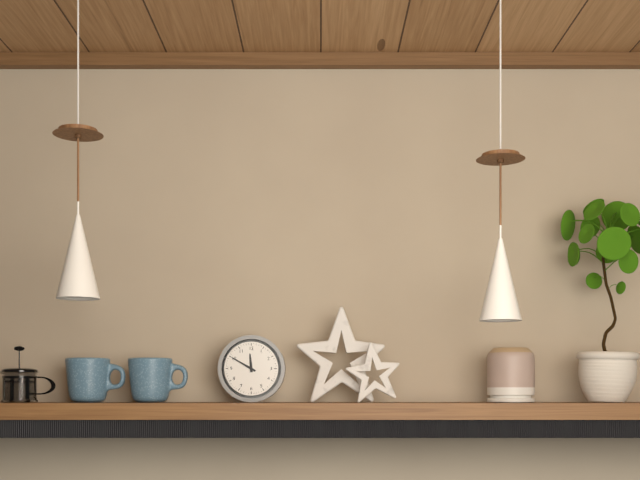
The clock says {"hour": 11, "minute": 50}
